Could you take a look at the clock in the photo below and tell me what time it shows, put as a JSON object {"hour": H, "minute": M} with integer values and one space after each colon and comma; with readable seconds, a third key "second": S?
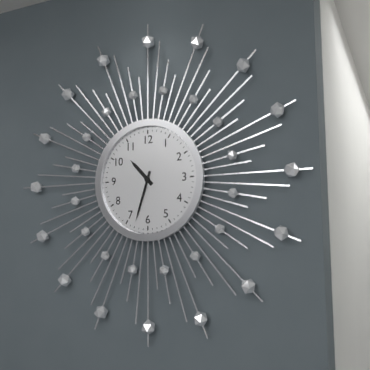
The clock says {"hour": 10, "minute": 33}
